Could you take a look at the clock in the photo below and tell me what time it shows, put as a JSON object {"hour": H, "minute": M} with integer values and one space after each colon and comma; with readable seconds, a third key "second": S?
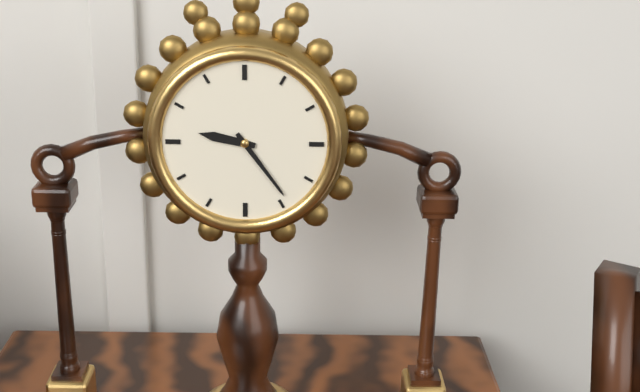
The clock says {"hour": 9, "minute": 24}
